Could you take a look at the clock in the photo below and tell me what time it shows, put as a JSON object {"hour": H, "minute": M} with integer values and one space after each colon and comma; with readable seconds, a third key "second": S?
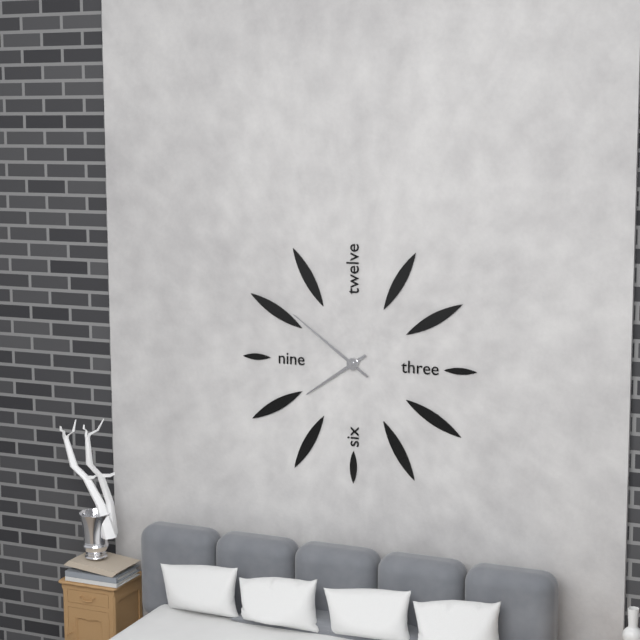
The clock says {"hour": 7, "minute": 51}
